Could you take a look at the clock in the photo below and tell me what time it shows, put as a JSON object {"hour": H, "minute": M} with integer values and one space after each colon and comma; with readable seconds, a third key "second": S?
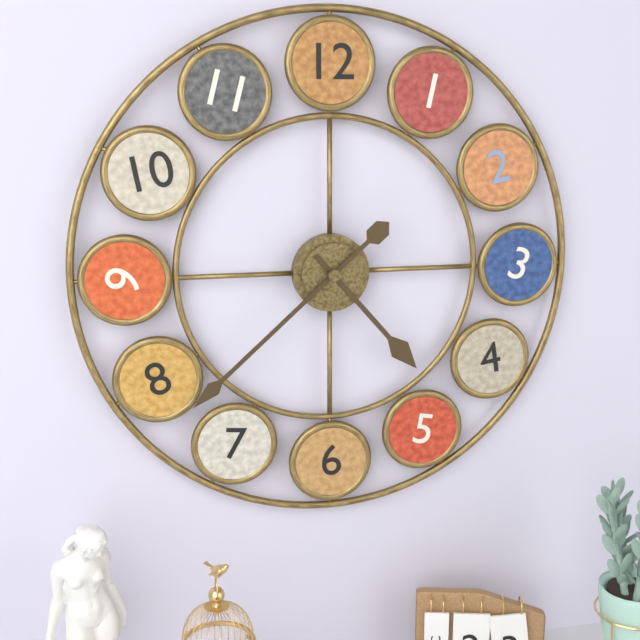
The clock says {"hour": 4, "minute": 38}
